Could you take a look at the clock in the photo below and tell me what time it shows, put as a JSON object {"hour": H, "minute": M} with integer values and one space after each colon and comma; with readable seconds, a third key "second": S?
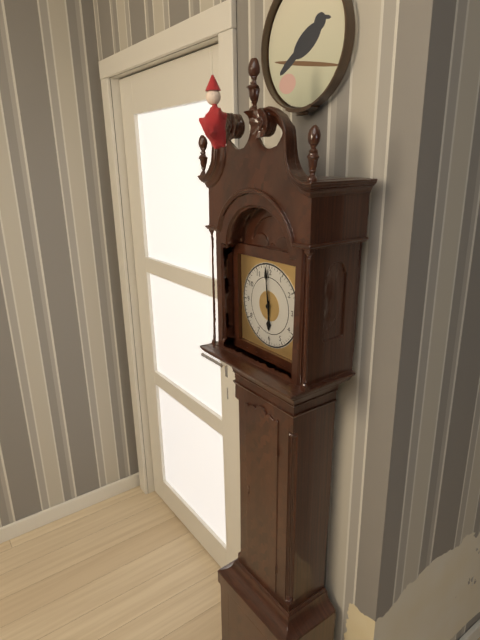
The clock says {"hour": 5, "minute": 59}
